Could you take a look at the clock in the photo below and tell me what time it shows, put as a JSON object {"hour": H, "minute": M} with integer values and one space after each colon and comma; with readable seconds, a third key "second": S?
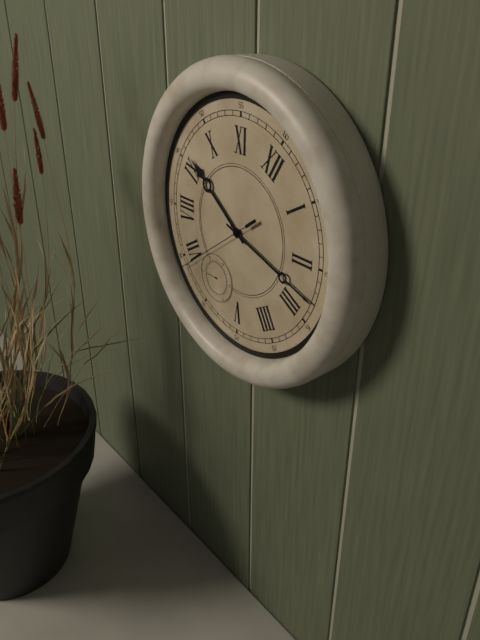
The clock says {"hour": 9, "minute": 13, "second": 34}
